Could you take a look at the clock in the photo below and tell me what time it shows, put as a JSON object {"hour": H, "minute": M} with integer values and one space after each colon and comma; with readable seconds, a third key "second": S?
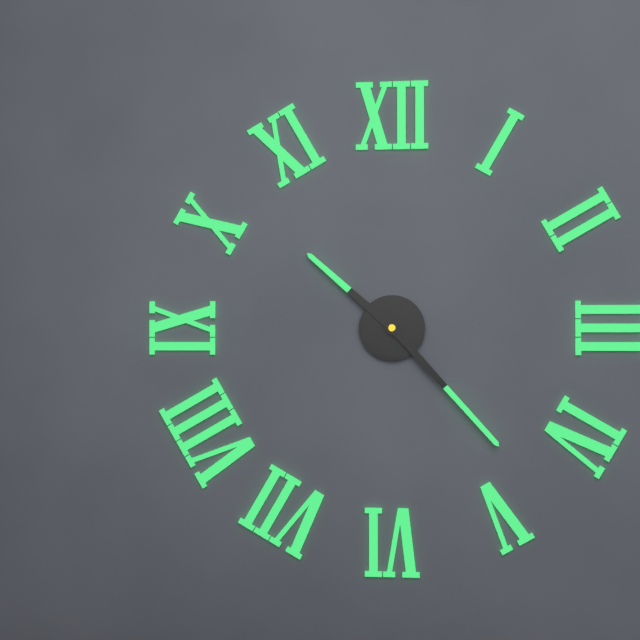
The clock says {"hour": 10, "minute": 23}
